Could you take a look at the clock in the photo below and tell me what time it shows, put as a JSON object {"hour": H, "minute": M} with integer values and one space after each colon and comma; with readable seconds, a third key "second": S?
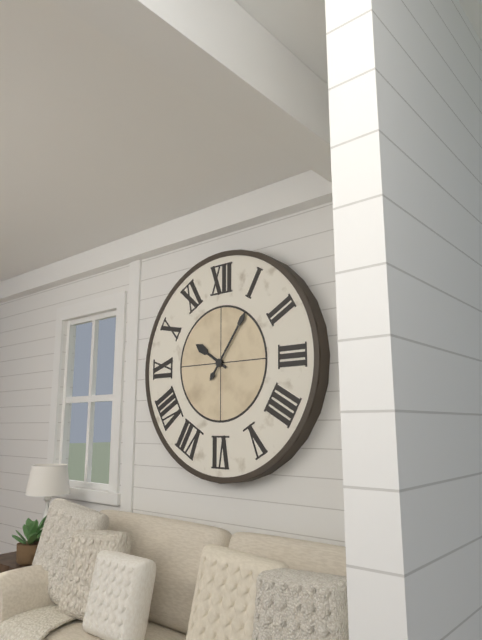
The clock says {"hour": 10, "minute": 6}
